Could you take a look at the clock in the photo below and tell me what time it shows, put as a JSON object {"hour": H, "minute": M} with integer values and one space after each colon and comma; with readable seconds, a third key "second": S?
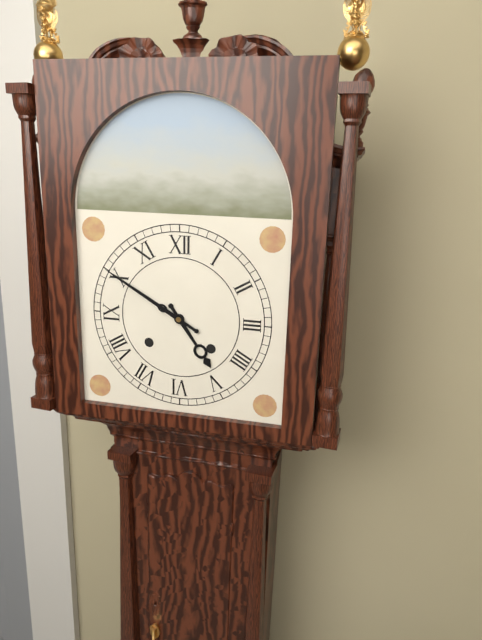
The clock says {"hour": 4, "minute": 50}
